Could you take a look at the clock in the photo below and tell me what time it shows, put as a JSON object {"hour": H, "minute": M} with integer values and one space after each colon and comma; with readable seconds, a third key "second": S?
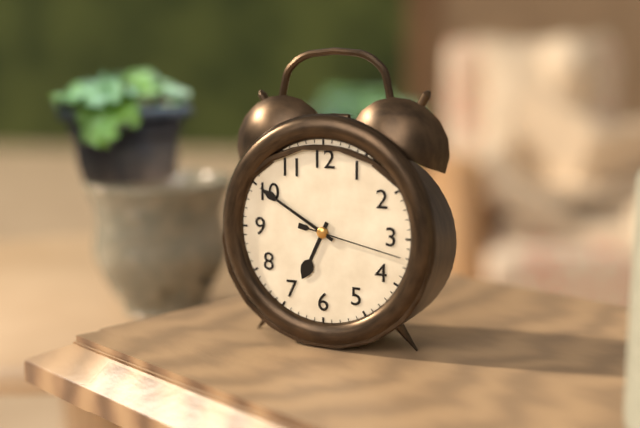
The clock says {"hour": 6, "minute": 50, "second": 17}
